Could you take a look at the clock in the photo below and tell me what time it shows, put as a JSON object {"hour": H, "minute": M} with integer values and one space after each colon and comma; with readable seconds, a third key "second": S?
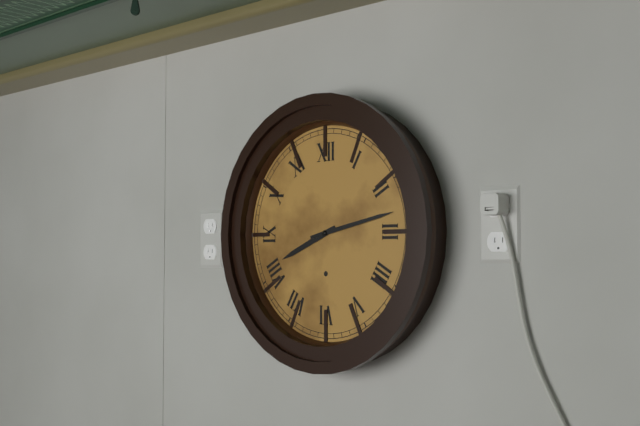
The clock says {"hour": 8, "minute": 13}
